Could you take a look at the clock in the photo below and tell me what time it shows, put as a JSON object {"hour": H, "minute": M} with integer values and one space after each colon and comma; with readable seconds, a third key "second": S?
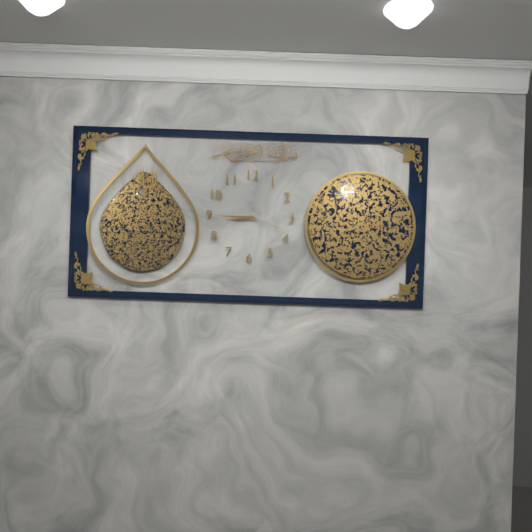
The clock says {"hour": 8, "minute": 45}
